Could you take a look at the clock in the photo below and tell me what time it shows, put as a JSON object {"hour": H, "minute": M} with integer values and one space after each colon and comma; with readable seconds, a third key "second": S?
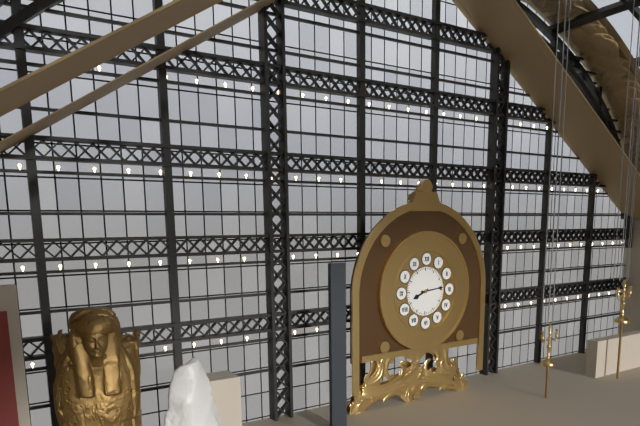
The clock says {"hour": 8, "minute": 14}
